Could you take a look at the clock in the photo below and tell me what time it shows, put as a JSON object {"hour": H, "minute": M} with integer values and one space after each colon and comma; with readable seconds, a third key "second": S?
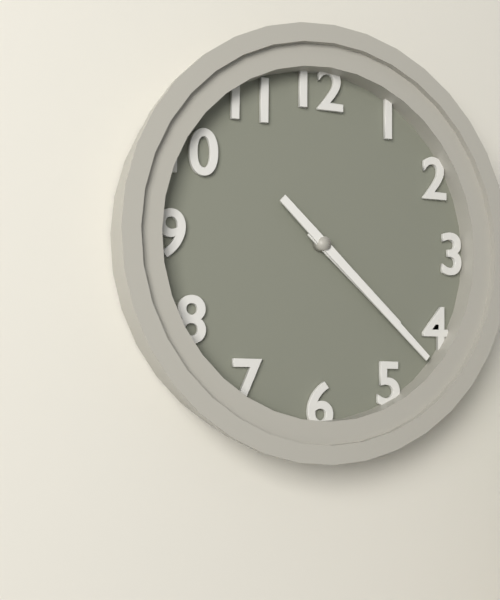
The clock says {"hour": 4, "minute": 22}
